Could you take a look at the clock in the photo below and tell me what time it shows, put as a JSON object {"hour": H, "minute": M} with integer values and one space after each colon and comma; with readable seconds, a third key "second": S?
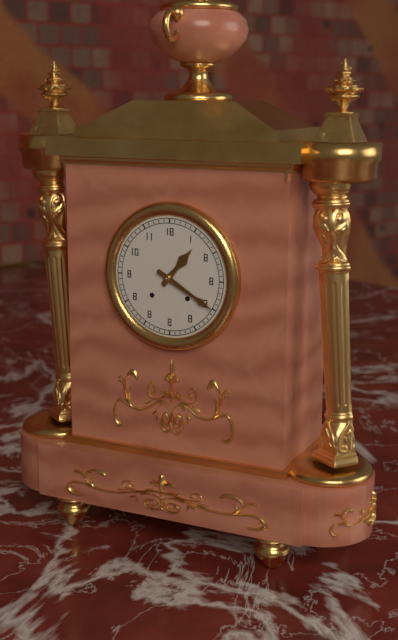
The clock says {"hour": 1, "minute": 20}
